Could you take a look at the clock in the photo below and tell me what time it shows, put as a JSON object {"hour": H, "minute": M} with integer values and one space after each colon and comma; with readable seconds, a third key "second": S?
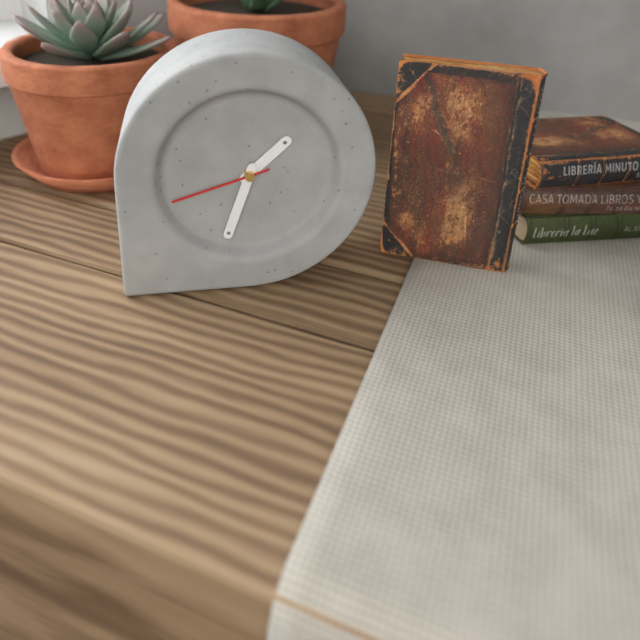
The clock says {"hour": 1, "minute": 33, "second": 42}
